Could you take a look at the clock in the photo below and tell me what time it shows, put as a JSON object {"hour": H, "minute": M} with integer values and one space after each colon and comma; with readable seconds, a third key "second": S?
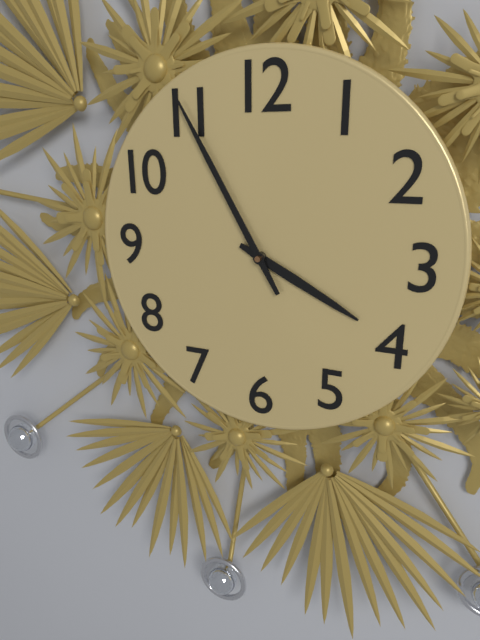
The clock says {"hour": 3, "minute": 55}
